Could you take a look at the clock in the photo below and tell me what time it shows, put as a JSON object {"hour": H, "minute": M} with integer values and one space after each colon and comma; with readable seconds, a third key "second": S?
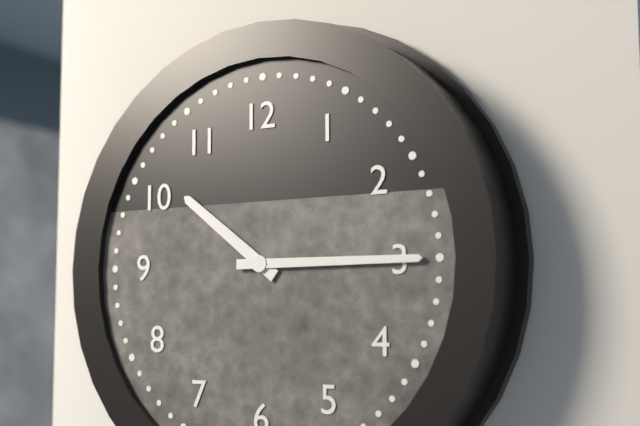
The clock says {"hour": 10, "minute": 15}
